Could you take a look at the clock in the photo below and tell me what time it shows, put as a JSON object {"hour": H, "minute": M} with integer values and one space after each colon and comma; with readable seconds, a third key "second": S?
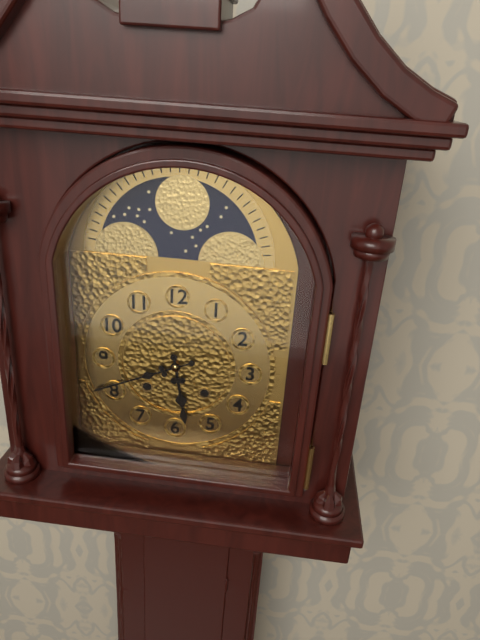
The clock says {"hour": 5, "minute": 41}
